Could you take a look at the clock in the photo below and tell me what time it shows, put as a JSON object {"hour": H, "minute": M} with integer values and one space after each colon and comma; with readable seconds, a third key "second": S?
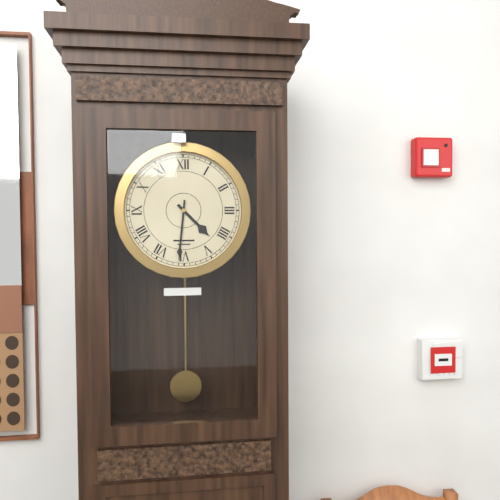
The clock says {"hour": 4, "minute": 31}
